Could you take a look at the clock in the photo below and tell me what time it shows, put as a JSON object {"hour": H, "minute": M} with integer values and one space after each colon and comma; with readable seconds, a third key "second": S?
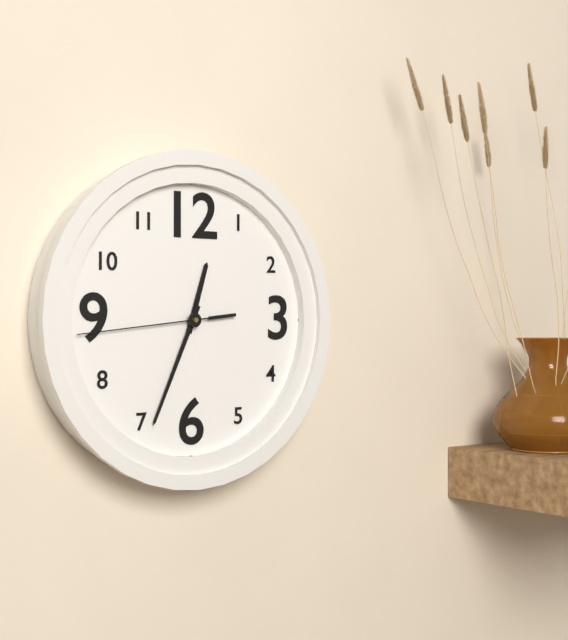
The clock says {"hour": 12, "minute": 34, "second": 44}
